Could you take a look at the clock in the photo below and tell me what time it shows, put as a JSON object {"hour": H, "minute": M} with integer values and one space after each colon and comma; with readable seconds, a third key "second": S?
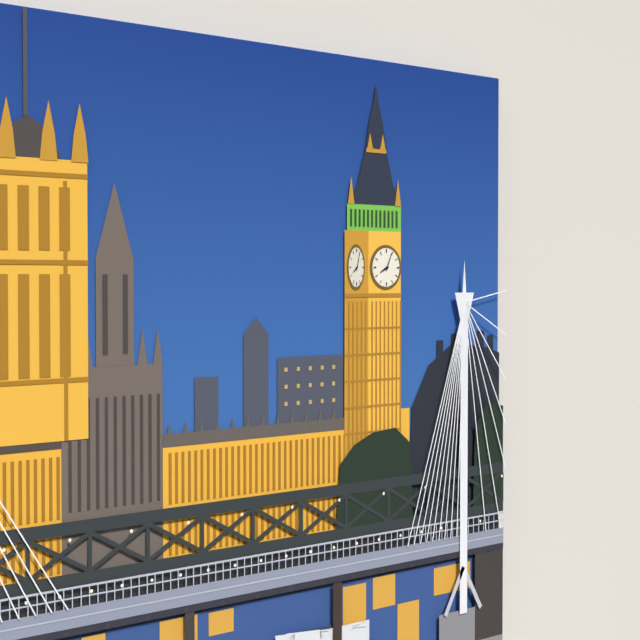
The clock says {"hour": 8, "minute": 4}
